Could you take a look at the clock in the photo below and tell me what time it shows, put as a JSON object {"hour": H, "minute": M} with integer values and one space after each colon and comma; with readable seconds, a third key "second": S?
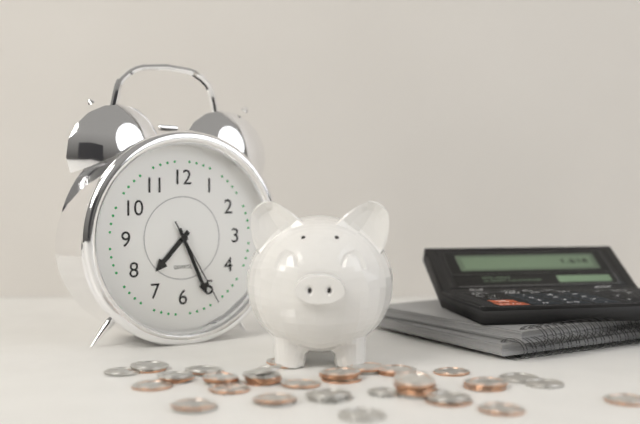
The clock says {"hour": 7, "minute": 26, "second": 25}
